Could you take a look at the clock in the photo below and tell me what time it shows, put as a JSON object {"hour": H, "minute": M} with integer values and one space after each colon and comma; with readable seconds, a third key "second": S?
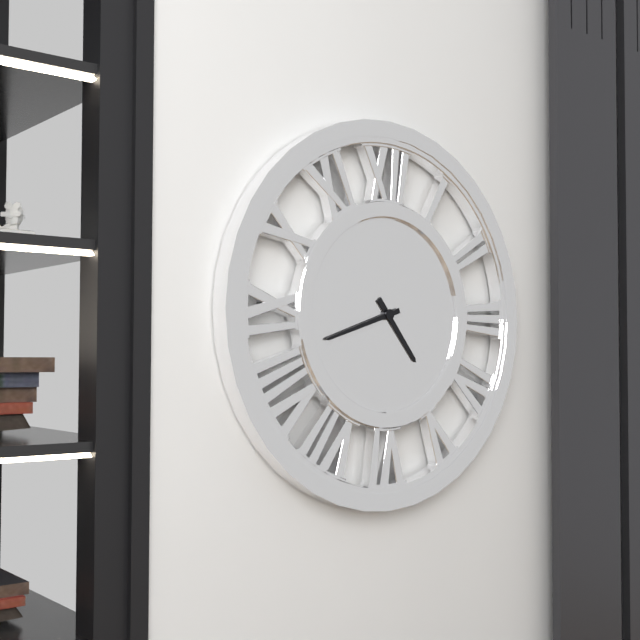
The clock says {"hour": 4, "minute": 42}
